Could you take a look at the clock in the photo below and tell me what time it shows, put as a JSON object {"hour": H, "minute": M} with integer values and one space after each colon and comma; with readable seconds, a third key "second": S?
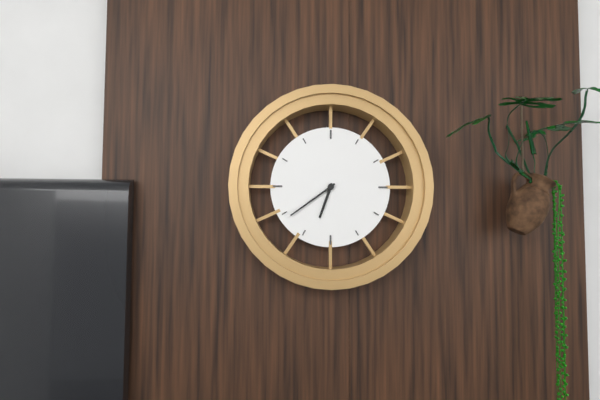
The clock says {"hour": 6, "minute": 39}
